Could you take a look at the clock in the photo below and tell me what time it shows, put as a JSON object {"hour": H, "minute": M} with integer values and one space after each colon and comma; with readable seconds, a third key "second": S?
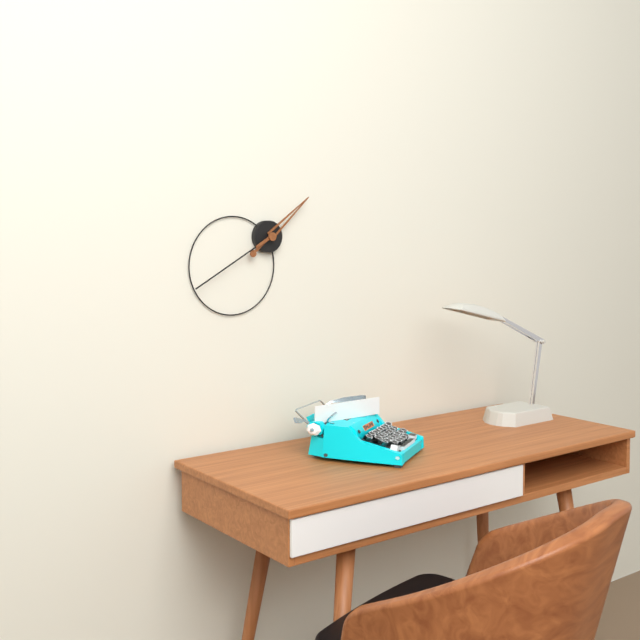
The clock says {"hour": 1, "minute": 40}
